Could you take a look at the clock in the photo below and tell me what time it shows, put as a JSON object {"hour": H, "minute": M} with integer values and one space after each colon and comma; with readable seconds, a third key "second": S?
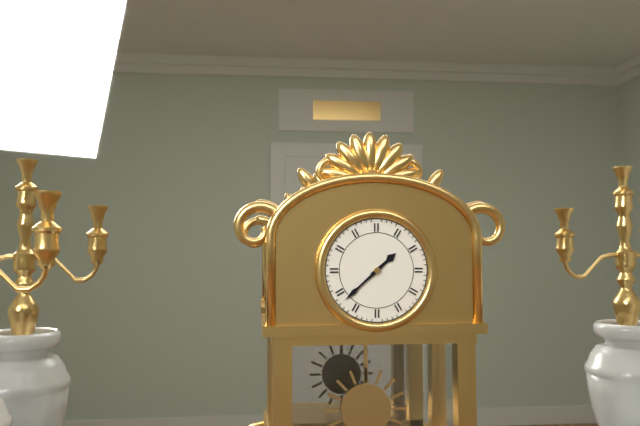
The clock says {"hour": 1, "minute": 38}
